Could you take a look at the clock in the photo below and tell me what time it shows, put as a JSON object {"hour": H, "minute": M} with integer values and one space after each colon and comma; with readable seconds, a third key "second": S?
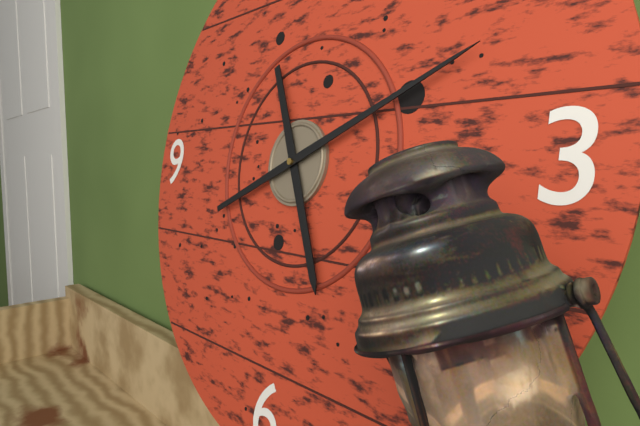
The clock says {"hour": 5, "minute": 11}
